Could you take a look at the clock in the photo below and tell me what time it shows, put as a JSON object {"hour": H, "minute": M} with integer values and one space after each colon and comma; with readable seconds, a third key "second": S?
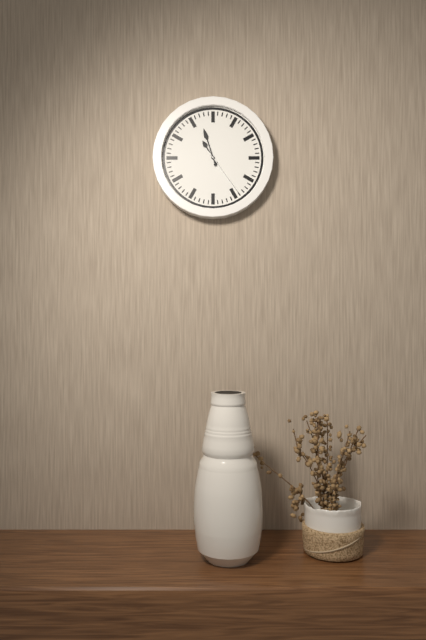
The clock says {"hour": 10, "minute": 57, "second": 24}
